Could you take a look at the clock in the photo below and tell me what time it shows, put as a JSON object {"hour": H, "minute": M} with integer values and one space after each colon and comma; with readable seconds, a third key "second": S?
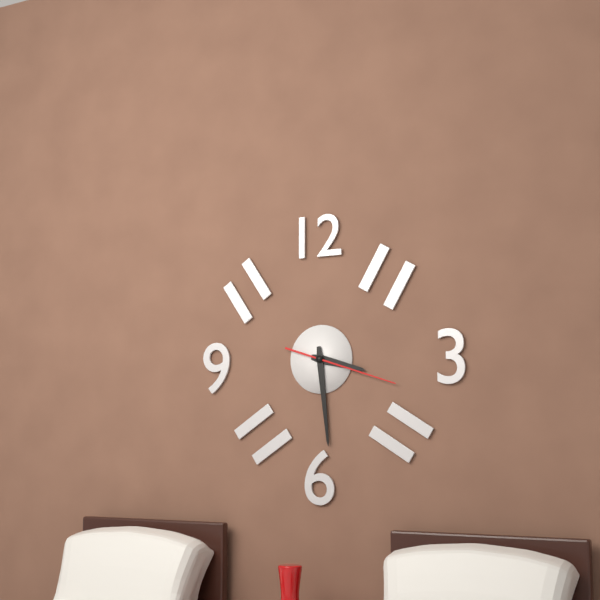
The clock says {"hour": 3, "minute": 29, "second": 18}
